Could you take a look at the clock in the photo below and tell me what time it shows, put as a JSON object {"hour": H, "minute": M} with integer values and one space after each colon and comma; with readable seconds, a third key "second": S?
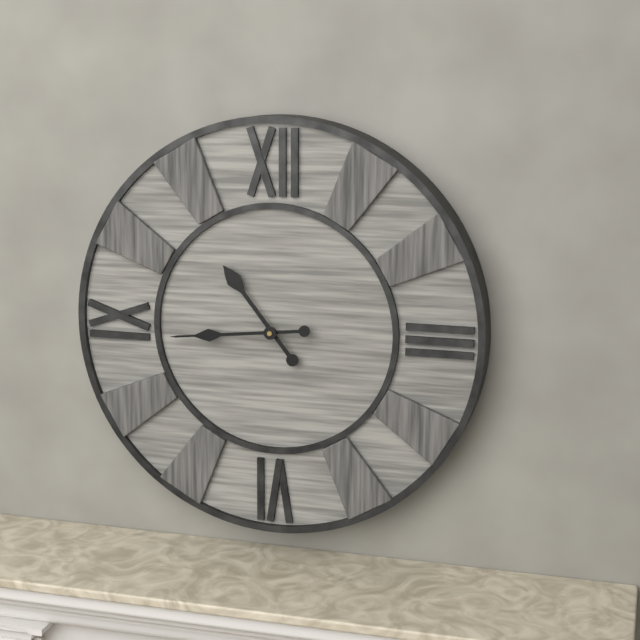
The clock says {"hour": 10, "minute": 44}
